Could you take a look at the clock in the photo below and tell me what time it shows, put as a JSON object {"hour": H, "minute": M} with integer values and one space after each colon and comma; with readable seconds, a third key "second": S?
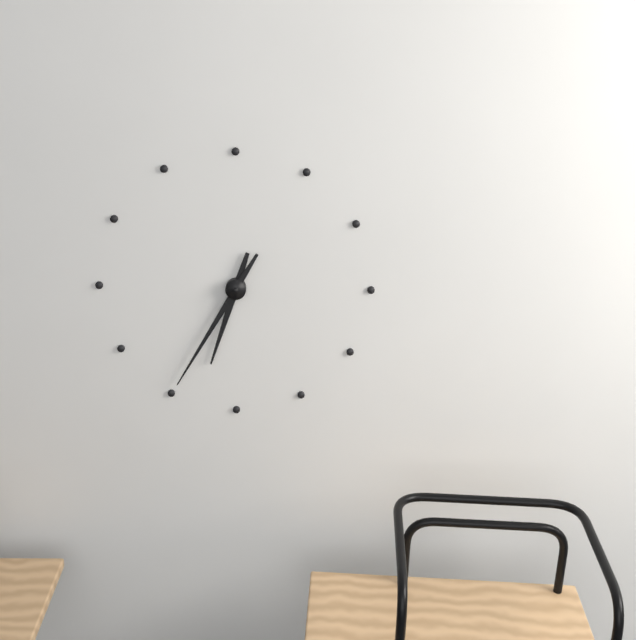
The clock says {"hour": 6, "minute": 35}
